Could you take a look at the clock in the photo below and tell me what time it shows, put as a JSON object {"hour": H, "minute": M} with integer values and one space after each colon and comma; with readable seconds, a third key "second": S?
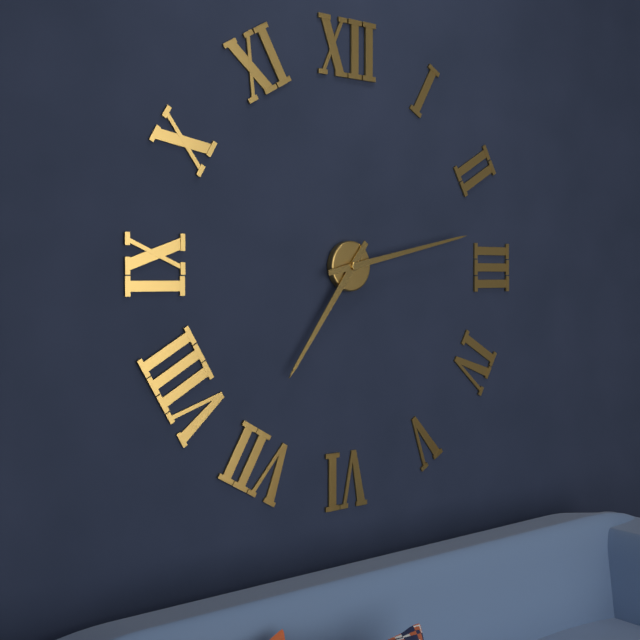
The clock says {"hour": 7, "minute": 13}
